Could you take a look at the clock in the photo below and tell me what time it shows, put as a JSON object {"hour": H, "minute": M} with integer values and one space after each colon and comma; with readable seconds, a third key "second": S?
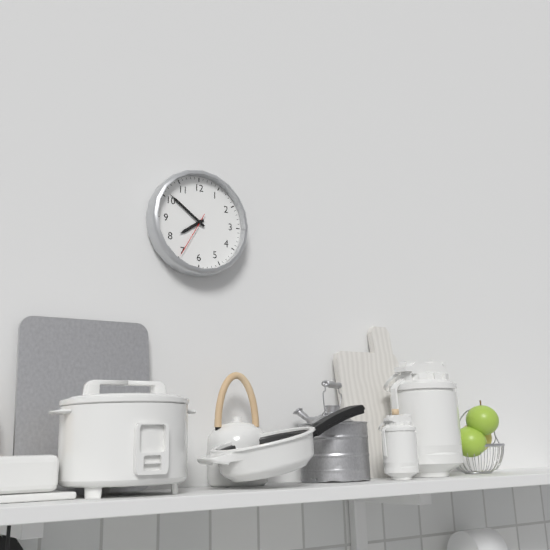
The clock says {"hour": 7, "minute": 51}
